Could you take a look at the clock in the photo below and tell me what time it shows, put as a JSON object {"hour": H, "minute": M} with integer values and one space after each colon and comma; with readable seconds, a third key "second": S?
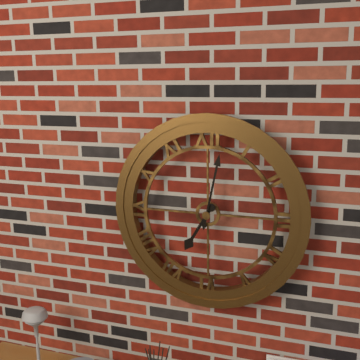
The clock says {"hour": 7, "minute": 2}
